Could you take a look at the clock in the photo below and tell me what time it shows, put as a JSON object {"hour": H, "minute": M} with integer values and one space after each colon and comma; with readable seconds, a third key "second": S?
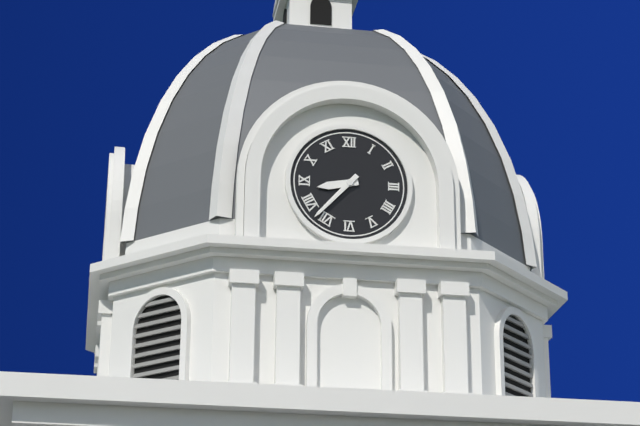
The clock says {"hour": 8, "minute": 37}
